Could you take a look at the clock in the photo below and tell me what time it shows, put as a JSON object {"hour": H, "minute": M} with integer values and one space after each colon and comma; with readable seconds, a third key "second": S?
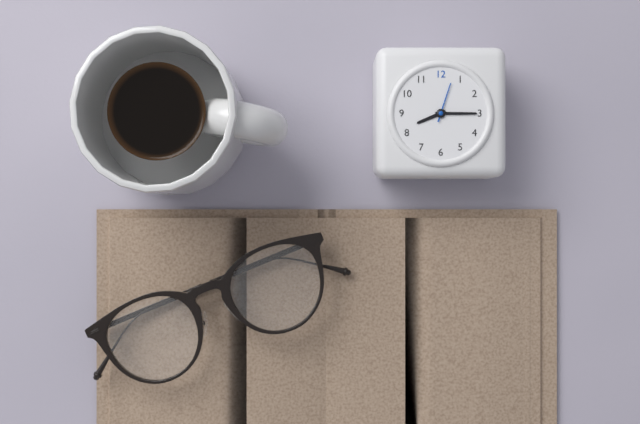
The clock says {"hour": 8, "minute": 15}
